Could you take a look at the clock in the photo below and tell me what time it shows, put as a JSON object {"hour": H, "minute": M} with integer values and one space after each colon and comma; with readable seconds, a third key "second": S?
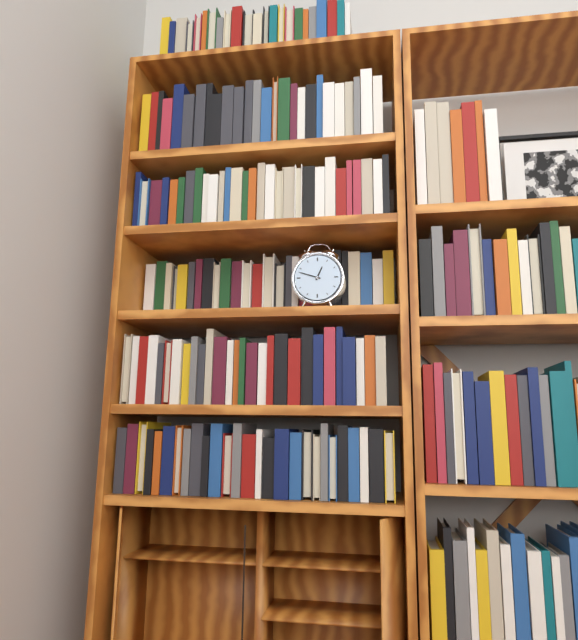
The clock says {"hour": 12, "minute": 48}
